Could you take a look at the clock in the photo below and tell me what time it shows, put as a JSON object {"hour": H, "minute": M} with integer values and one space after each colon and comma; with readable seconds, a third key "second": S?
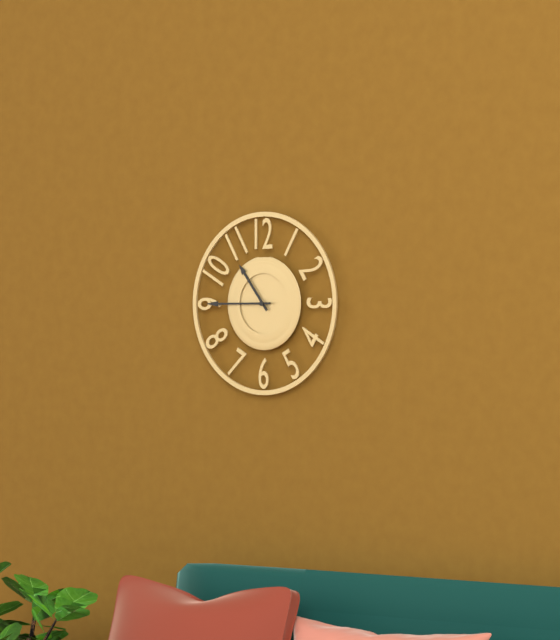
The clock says {"hour": 10, "minute": 45}
